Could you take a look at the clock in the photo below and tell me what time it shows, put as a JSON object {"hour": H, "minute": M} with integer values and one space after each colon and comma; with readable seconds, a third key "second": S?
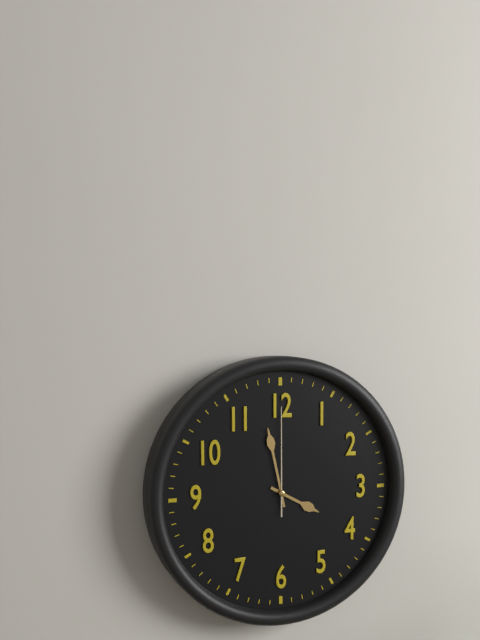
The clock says {"hour": 3, "minute": 58, "second": 0}
